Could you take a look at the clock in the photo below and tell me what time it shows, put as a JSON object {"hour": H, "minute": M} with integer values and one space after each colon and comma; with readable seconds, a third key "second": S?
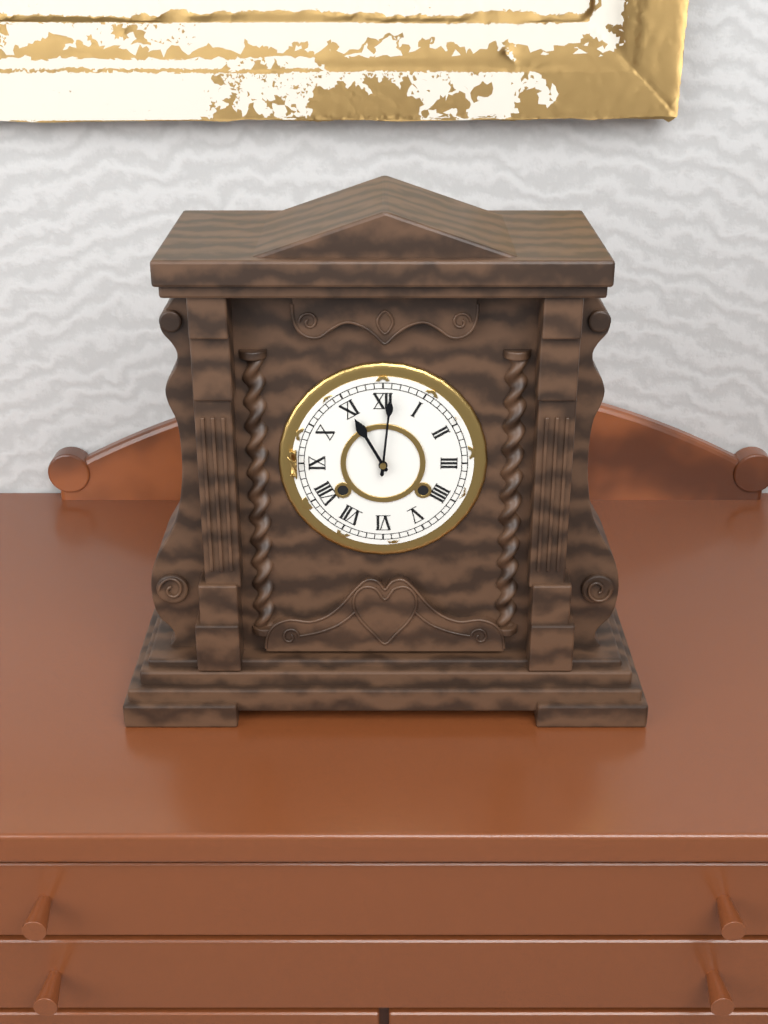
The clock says {"hour": 11, "minute": 1}
